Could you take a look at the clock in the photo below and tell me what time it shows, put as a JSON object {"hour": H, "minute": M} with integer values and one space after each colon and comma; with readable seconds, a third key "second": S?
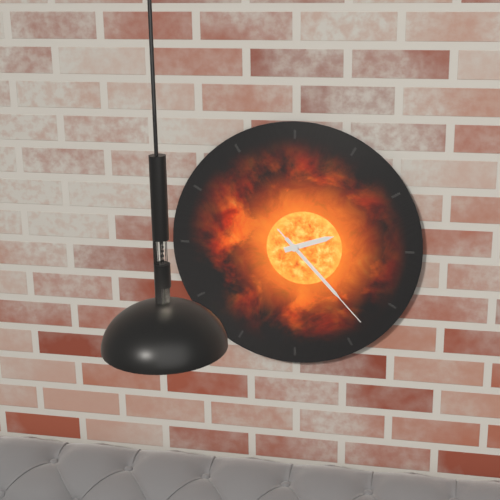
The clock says {"hour": 2, "minute": 23, "second": 23}
